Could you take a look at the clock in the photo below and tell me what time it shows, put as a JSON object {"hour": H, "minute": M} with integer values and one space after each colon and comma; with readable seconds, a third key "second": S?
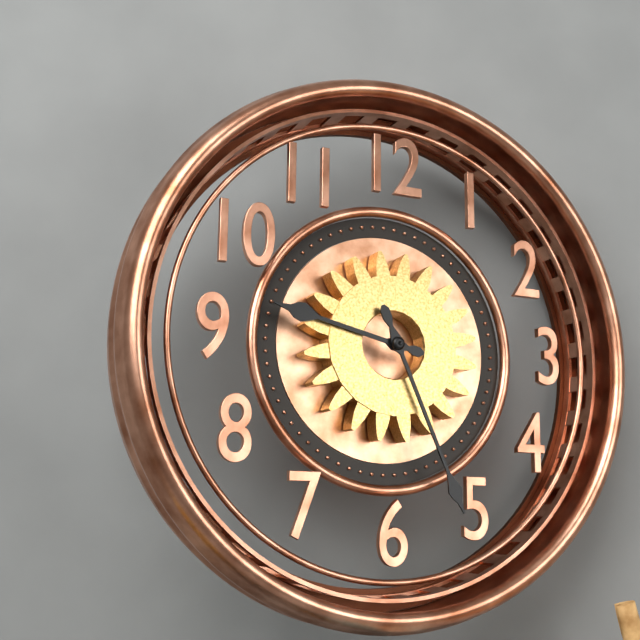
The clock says {"hour": 9, "minute": 26}
